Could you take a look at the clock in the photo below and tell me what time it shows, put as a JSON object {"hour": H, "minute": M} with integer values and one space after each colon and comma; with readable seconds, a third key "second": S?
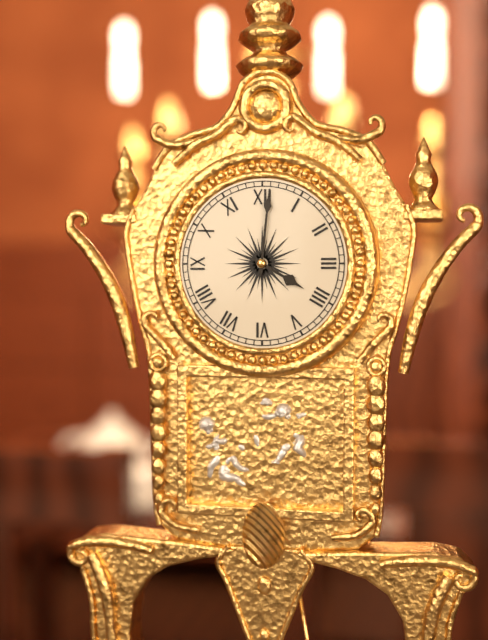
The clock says {"hour": 4, "minute": 1}
